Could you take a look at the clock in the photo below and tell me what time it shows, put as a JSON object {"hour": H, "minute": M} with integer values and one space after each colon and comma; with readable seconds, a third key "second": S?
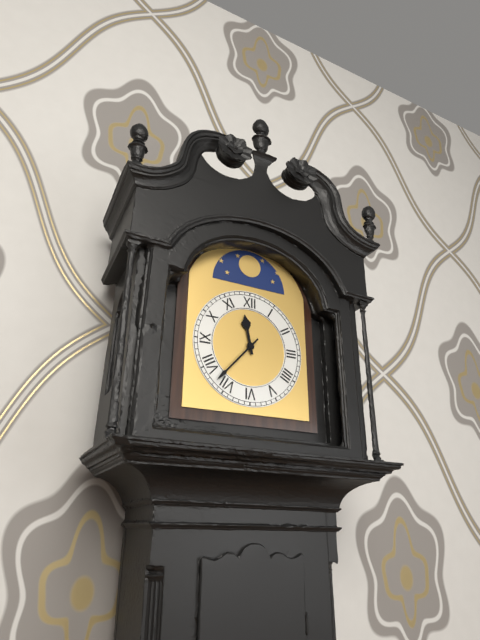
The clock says {"hour": 11, "minute": 37}
